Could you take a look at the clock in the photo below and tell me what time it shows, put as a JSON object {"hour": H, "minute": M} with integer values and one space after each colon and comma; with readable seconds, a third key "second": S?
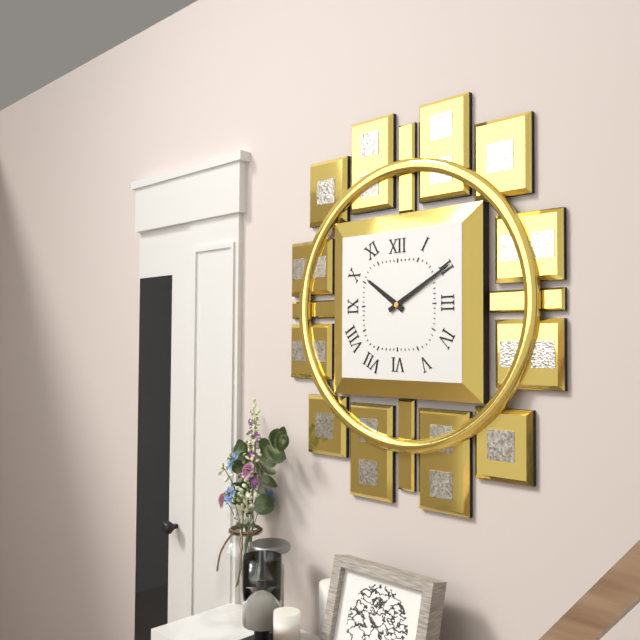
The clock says {"hour": 10, "minute": 10}
